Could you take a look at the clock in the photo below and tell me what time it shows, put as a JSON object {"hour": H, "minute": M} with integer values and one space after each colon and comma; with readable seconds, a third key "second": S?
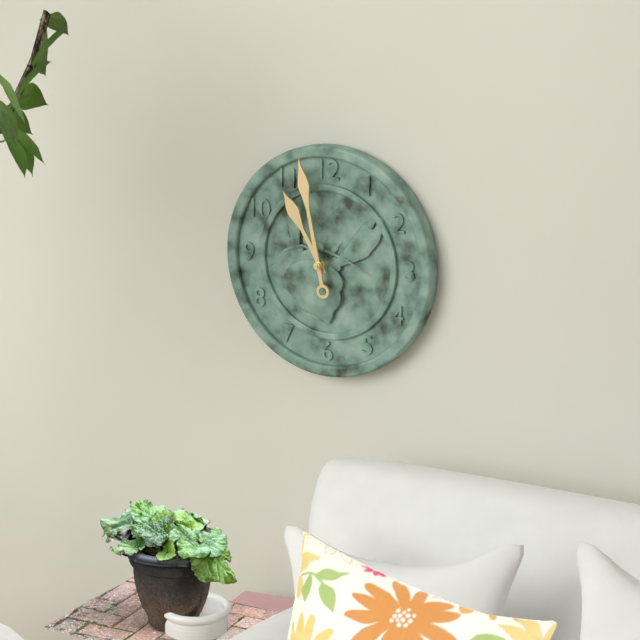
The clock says {"hour": 10, "minute": 58}
